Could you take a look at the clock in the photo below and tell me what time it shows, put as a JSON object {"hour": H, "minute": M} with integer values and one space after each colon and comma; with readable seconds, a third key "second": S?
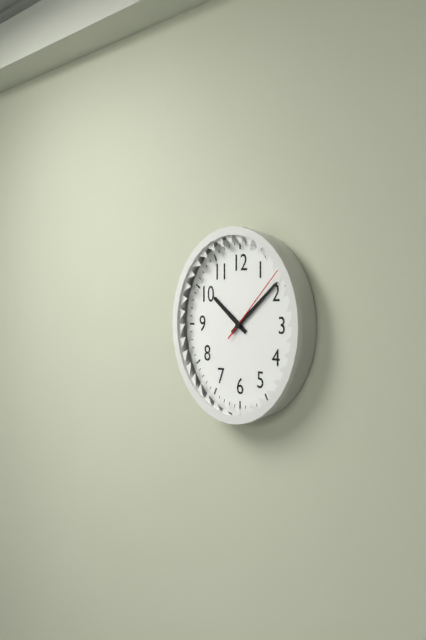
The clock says {"hour": 10, "minute": 9, "second": 8}
